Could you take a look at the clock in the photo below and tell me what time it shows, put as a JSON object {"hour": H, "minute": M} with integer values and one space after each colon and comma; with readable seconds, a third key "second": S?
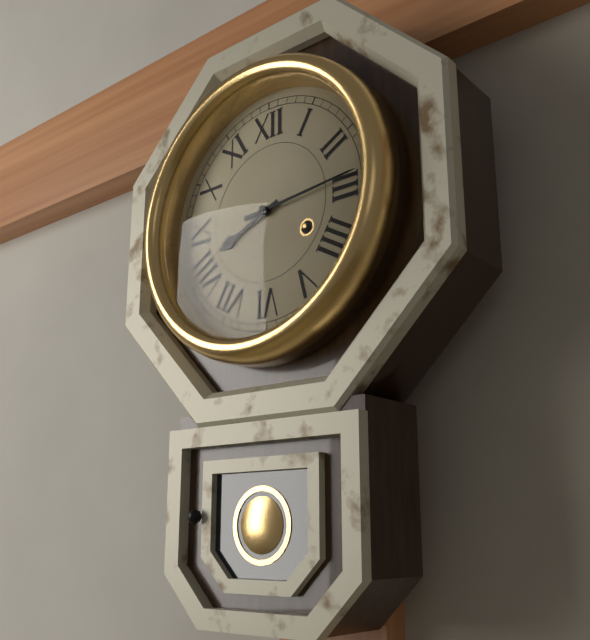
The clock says {"hour": 8, "minute": 14}
